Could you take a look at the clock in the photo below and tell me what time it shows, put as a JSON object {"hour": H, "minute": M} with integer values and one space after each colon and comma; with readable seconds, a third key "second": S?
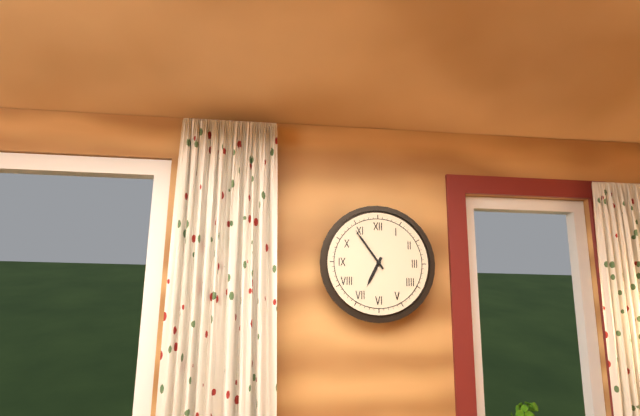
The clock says {"hour": 6, "minute": 54}
